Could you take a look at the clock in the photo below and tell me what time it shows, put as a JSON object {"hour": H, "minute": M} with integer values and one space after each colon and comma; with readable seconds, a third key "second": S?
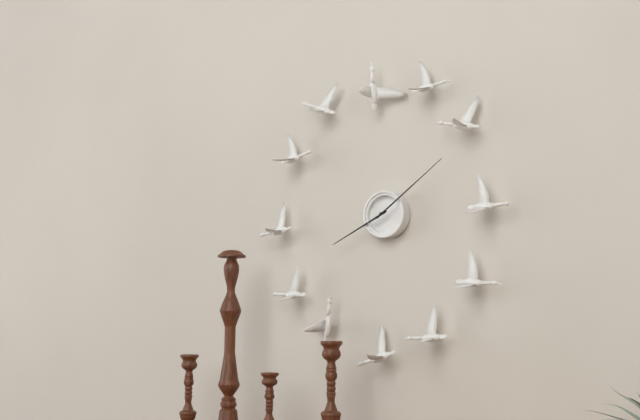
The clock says {"hour": 8, "minute": 9}
